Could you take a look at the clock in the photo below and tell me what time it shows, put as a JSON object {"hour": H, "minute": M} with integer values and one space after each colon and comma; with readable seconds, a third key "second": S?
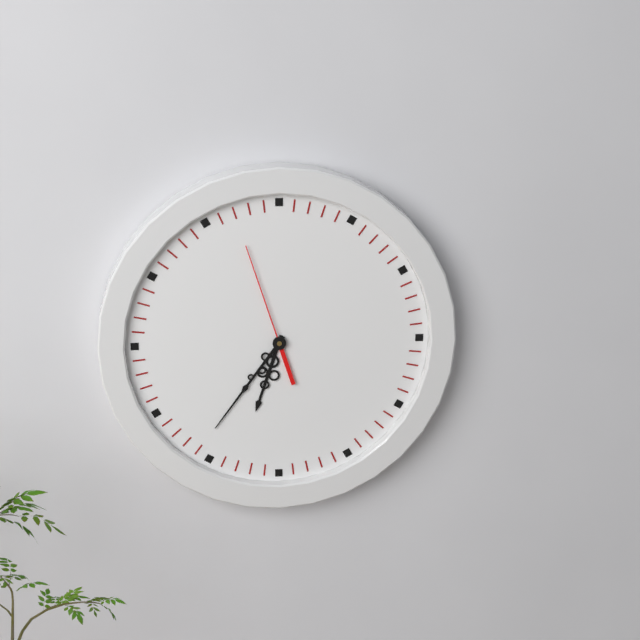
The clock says {"hour": 6, "minute": 36, "second": 57}
